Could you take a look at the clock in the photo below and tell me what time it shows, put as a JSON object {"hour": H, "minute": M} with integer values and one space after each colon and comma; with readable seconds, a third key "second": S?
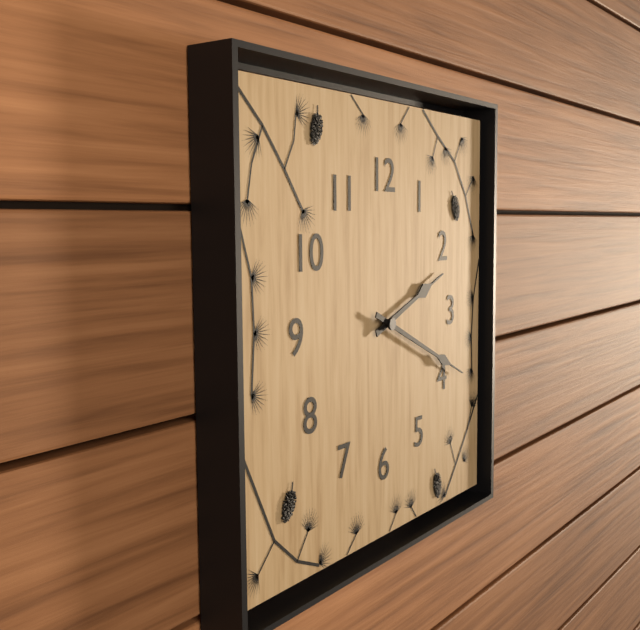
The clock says {"hour": 2, "minute": 19}
